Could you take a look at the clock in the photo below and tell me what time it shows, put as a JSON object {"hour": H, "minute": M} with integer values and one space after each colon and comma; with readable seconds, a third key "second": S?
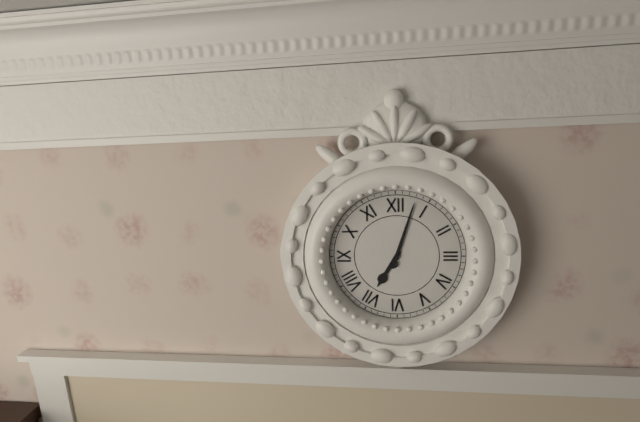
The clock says {"hour": 7, "minute": 3}
